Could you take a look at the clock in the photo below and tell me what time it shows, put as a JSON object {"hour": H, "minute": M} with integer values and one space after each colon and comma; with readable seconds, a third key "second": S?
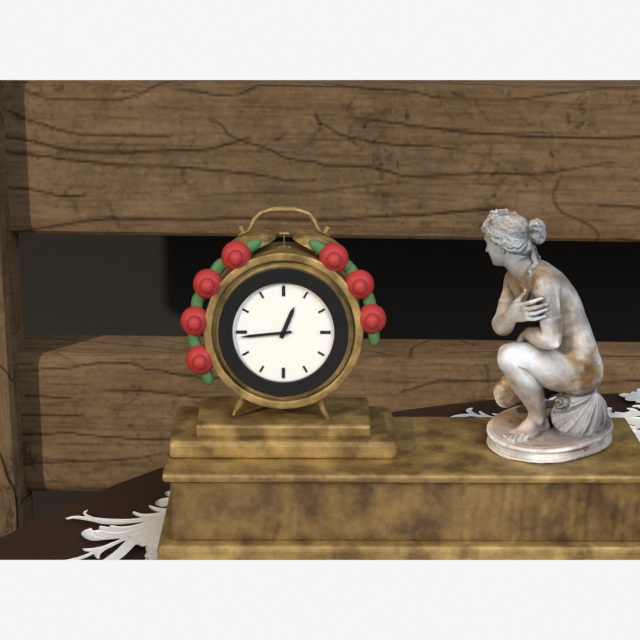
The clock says {"hour": 12, "minute": 44}
